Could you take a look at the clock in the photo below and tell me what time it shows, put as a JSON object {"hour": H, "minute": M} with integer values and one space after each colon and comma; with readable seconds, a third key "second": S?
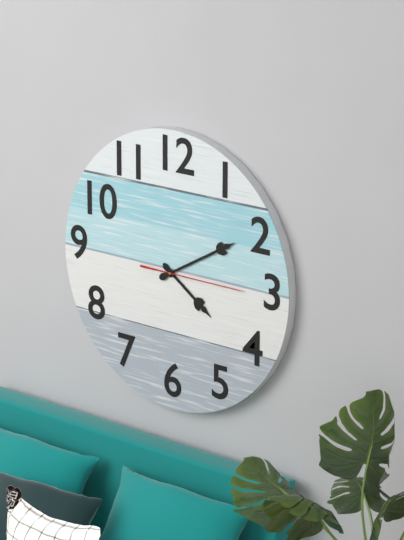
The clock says {"hour": 4, "minute": 10, "second": 15}
